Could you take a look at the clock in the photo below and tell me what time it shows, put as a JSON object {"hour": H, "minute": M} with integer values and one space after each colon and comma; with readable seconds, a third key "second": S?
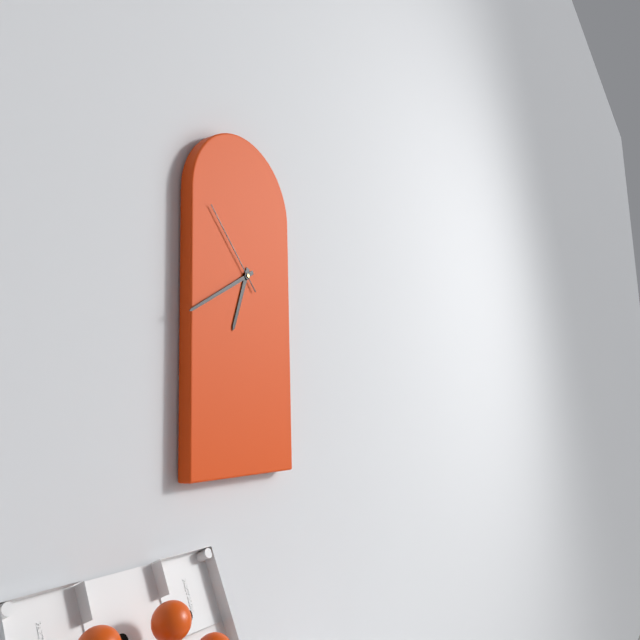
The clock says {"hour": 6, "minute": 40, "second": 53}
